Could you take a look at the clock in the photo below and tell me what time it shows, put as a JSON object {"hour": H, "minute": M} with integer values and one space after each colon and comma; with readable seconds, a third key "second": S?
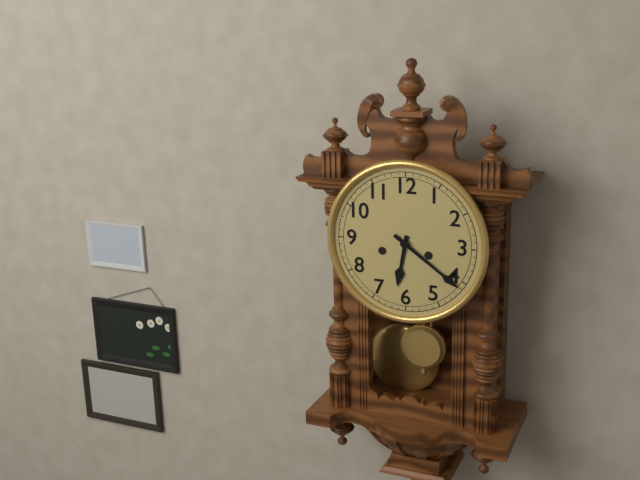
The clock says {"hour": 6, "minute": 21}
